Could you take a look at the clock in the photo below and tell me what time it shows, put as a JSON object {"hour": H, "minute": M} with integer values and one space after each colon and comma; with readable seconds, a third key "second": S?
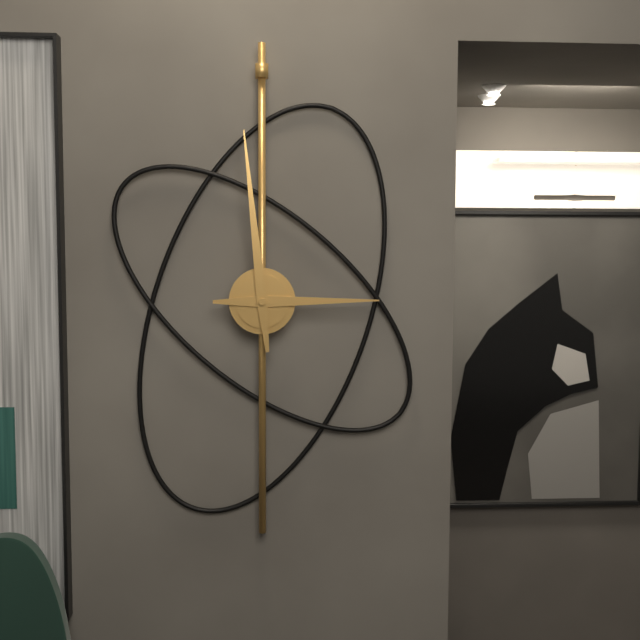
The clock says {"hour": 2, "minute": 59}
